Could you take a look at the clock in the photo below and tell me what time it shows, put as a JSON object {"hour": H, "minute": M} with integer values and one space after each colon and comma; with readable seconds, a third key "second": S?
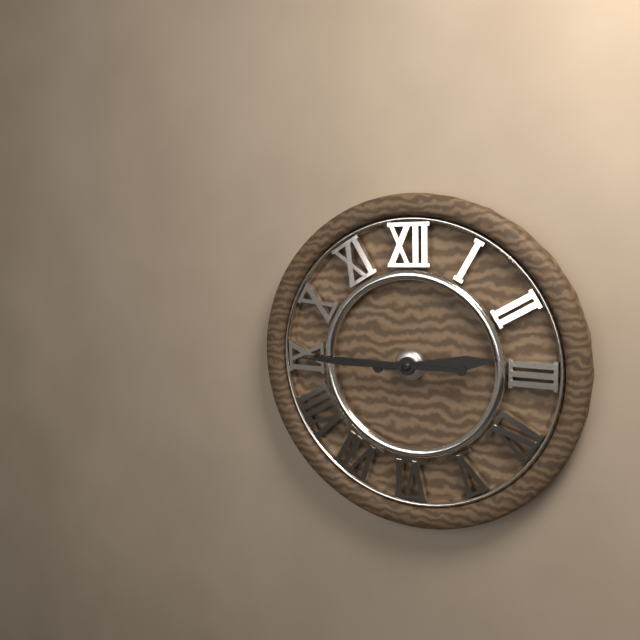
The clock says {"hour": 2, "minute": 45}
